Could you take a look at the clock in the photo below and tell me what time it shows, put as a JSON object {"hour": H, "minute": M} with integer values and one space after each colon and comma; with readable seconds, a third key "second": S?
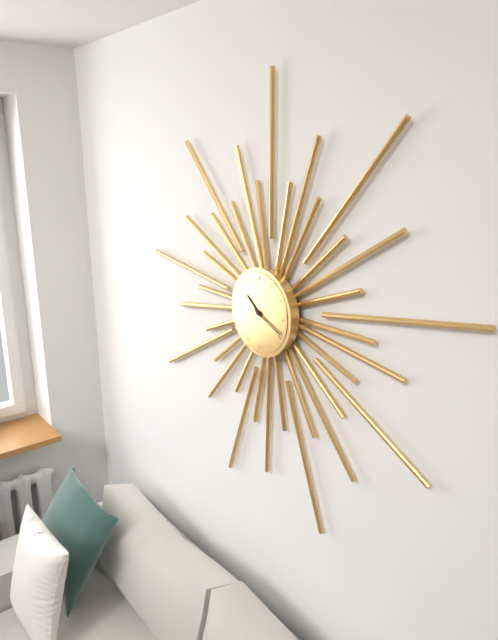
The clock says {"hour": 10, "minute": 19}
